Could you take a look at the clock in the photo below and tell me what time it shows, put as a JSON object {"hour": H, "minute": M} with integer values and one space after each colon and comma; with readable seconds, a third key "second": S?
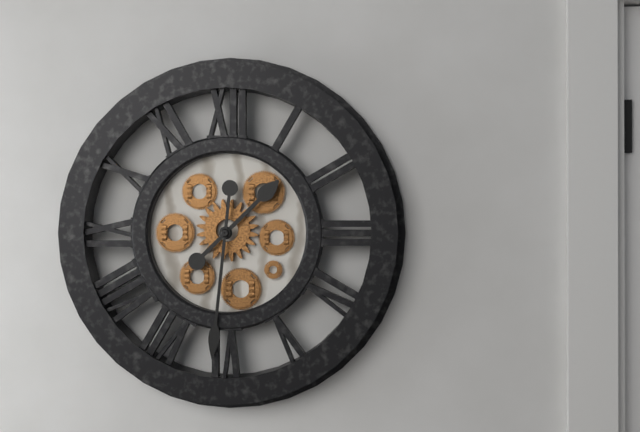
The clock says {"hour": 1, "minute": 31}
